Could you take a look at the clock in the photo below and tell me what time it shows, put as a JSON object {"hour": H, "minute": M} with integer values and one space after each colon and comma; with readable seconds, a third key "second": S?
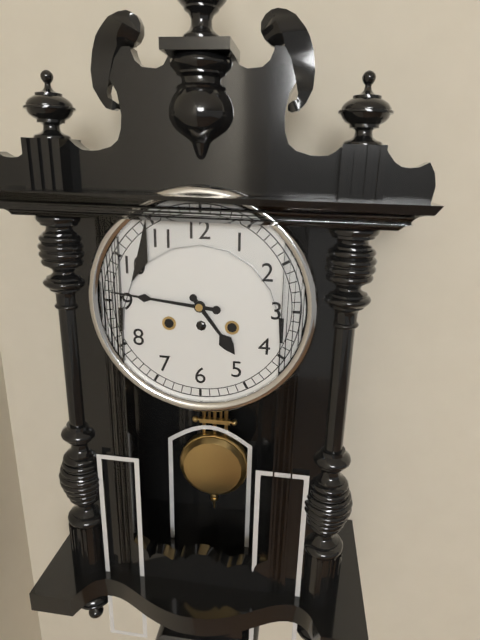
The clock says {"hour": 4, "minute": 46}
